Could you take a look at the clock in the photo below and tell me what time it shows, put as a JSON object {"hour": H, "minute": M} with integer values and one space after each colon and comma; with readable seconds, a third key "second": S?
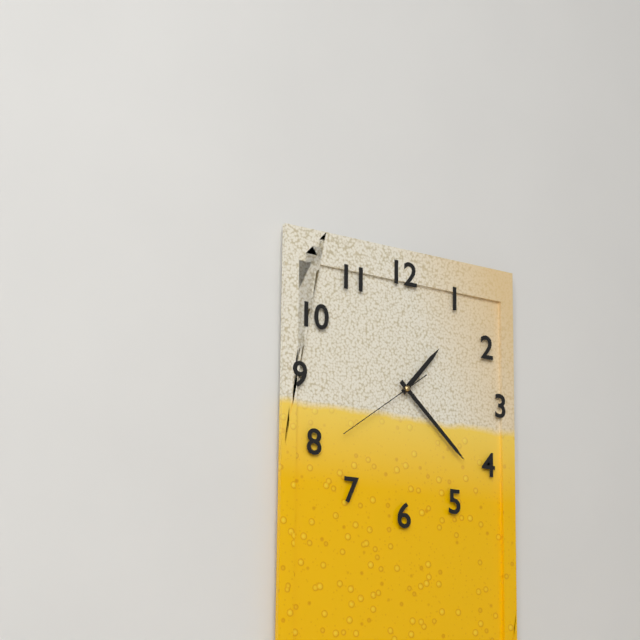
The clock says {"hour": 1, "minute": 22, "second": 39}
